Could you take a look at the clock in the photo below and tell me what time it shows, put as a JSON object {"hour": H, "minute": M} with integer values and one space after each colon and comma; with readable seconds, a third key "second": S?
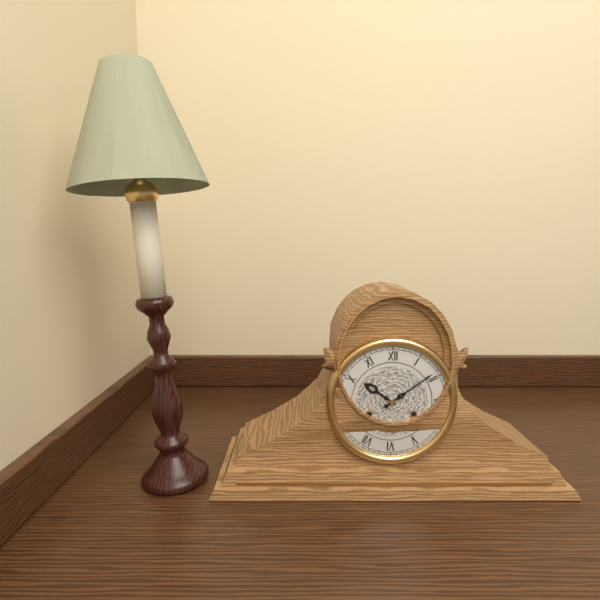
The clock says {"hour": 10, "minute": 9}
